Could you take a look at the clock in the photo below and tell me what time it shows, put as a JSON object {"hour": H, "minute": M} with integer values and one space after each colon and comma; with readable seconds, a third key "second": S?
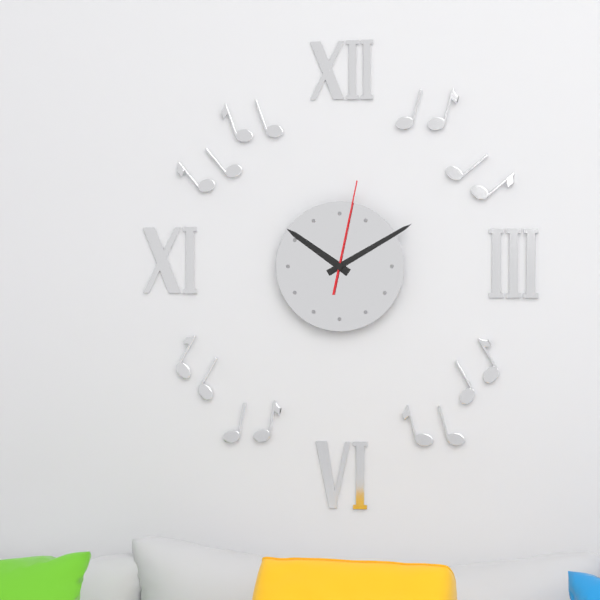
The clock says {"hour": 10, "minute": 10, "second": 2}
